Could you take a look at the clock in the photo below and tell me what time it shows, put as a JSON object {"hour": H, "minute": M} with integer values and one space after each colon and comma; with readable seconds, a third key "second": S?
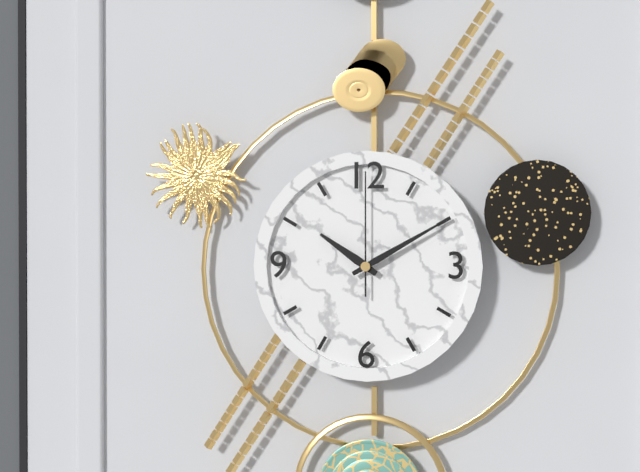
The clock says {"hour": 10, "minute": 10, "second": 0}
